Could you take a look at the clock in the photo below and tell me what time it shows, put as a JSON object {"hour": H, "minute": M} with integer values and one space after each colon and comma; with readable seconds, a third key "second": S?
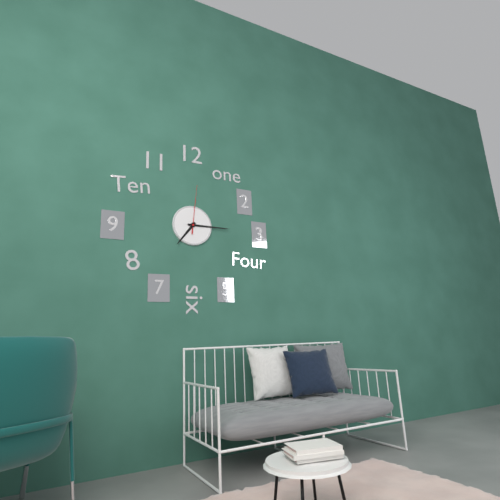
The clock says {"hour": 7, "minute": 15, "second": 1}
